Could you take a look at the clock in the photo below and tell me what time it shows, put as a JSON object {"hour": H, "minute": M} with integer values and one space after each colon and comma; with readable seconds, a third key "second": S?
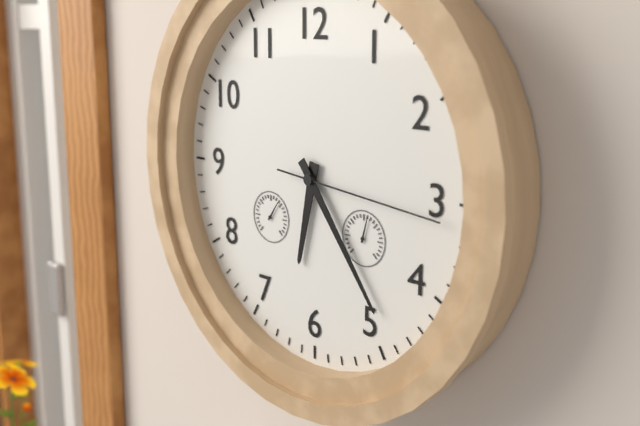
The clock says {"hour": 6, "minute": 24, "second": 16}
